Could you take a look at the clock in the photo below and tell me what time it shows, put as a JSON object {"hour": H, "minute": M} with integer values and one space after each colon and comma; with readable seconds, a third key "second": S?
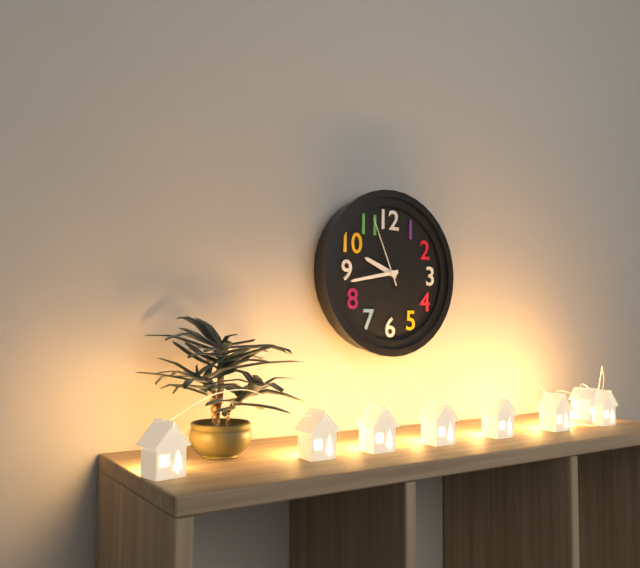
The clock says {"hour": 9, "minute": 43, "second": 56}
